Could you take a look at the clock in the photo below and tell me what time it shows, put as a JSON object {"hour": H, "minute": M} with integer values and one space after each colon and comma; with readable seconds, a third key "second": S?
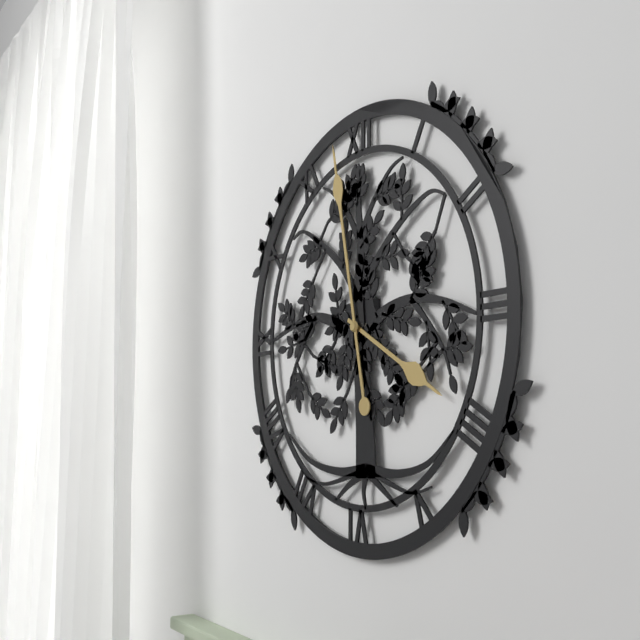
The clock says {"hour": 3, "minute": 58}
